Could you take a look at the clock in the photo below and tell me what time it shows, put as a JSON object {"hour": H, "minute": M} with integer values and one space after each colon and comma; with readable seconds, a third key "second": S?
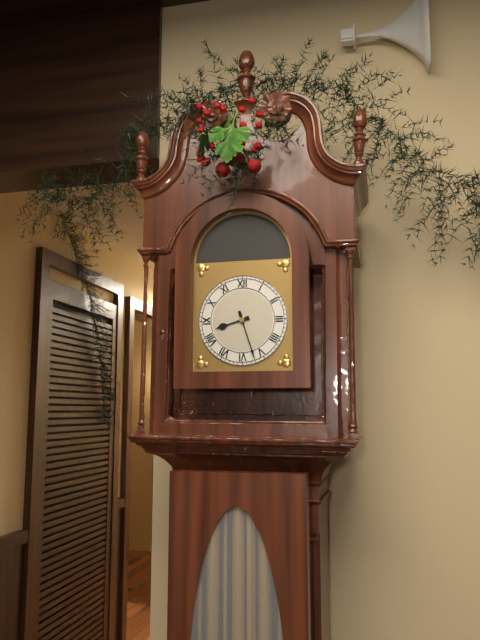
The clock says {"hour": 8, "minute": 27}
